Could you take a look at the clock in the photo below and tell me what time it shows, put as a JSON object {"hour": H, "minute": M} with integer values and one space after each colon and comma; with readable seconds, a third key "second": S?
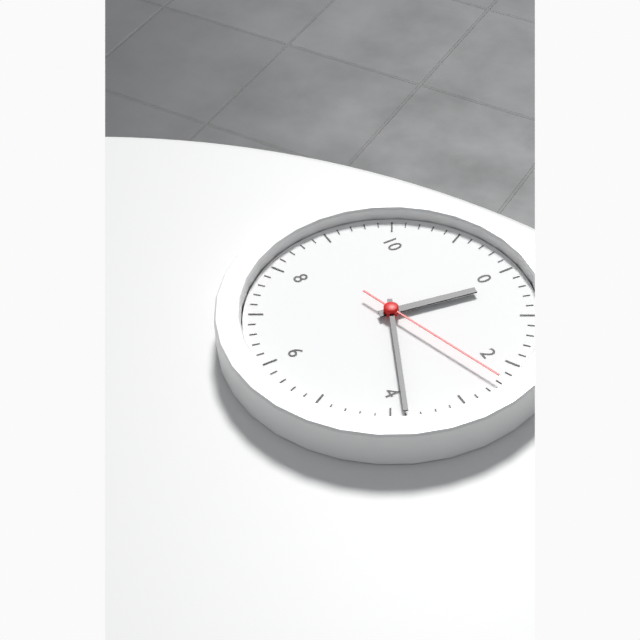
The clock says {"hour": 12, "minute": 19, "second": 12}
